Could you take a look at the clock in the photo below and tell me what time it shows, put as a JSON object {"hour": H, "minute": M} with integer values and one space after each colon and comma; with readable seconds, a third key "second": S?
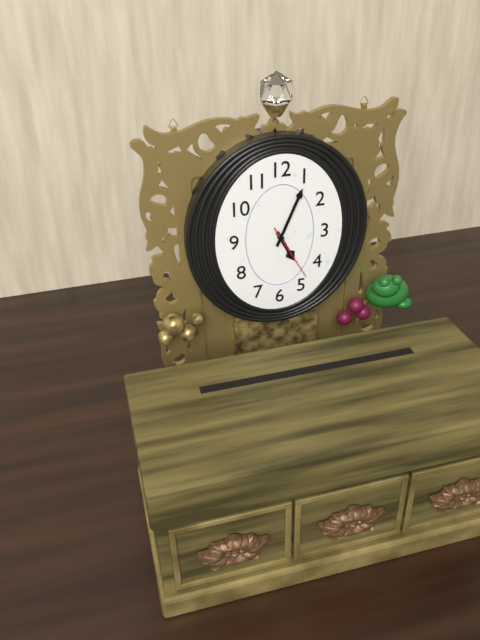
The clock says {"hour": 5, "minute": 4, "second": 25}
